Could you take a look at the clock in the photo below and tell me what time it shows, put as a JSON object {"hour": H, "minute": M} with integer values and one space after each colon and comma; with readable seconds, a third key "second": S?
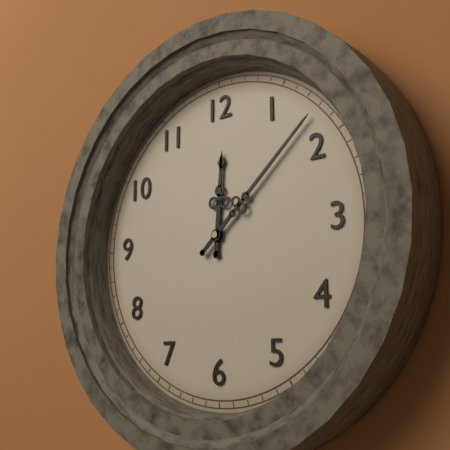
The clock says {"hour": 12, "minute": 8}
